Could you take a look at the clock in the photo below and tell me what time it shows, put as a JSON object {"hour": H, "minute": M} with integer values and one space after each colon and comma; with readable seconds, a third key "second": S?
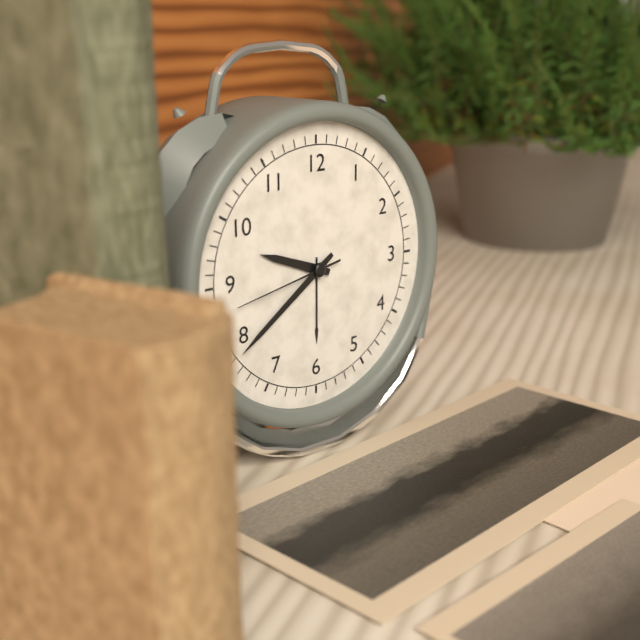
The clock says {"hour": 9, "minute": 39, "second": 43}
